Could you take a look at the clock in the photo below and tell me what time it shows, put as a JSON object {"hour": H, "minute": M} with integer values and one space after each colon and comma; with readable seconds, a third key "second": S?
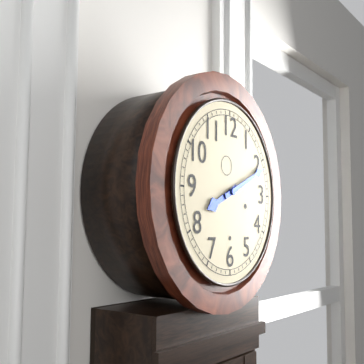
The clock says {"hour": 8, "minute": 11}
